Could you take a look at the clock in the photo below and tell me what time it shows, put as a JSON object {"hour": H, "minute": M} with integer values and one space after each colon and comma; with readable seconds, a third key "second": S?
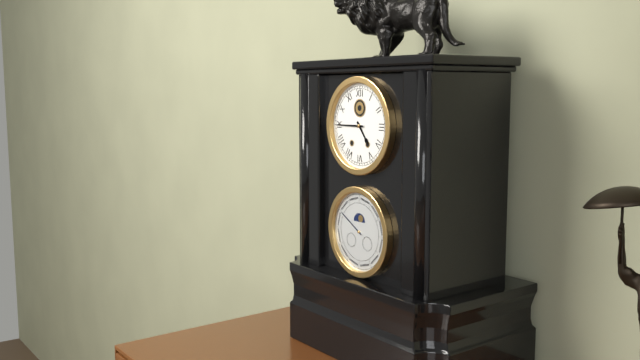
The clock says {"hour": 4, "minute": 45}
